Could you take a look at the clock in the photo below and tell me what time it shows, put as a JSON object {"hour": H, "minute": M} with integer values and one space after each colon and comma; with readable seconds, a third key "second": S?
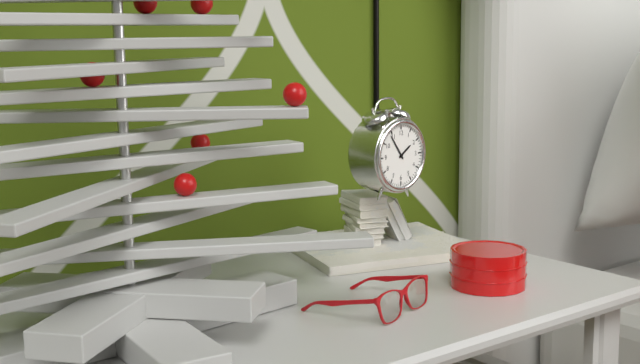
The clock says {"hour": 1, "minute": 54}
